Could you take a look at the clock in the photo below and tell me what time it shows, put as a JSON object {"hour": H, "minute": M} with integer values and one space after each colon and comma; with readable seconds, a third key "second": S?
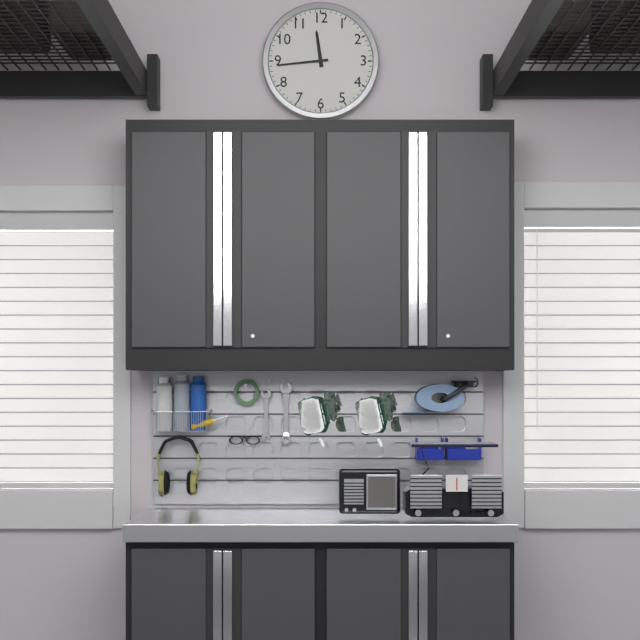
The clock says {"hour": 11, "minute": 44}
